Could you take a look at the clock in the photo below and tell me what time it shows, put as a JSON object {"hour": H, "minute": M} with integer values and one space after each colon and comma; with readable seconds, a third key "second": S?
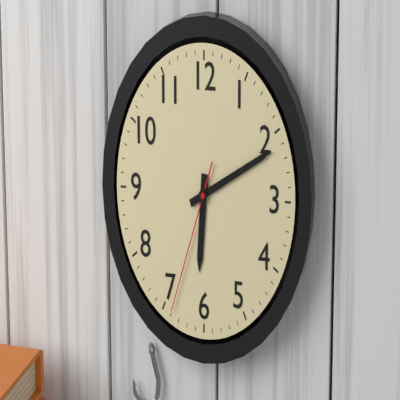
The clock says {"hour": 6, "minute": 11, "second": 34}
